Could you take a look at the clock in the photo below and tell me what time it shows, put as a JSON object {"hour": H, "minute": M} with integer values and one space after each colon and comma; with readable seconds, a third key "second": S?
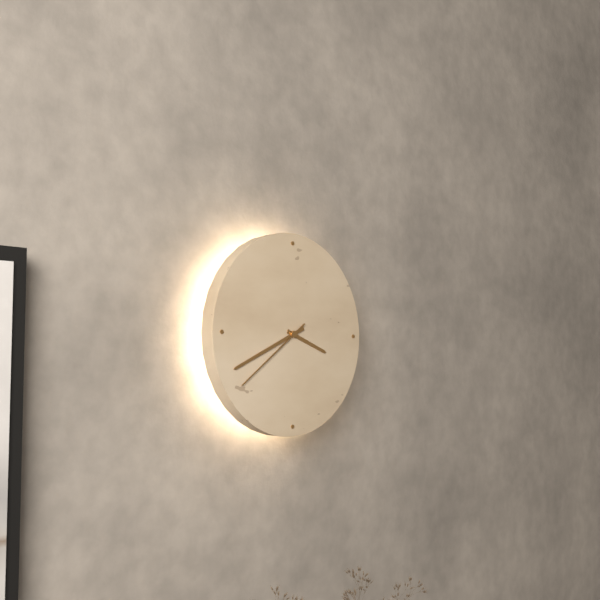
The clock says {"hour": 3, "minute": 41, "second": 39}
